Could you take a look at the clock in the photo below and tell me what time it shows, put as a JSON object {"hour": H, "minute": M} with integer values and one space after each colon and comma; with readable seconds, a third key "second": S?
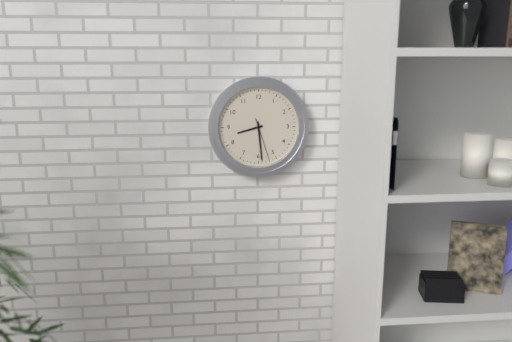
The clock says {"hour": 8, "minute": 29}
